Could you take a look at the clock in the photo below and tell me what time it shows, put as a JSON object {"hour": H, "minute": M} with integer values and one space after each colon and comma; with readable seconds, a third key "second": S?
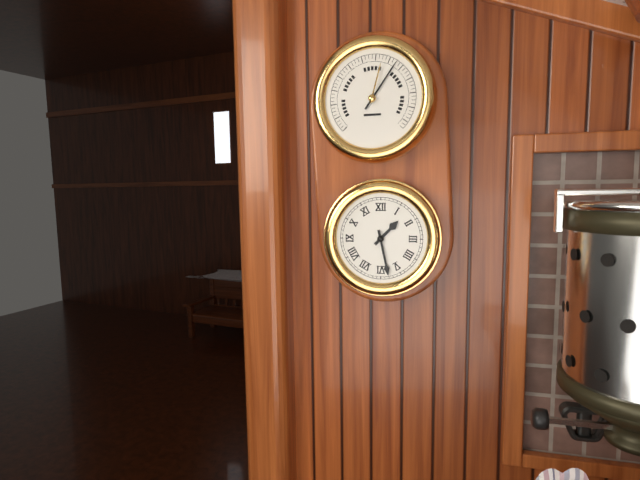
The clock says {"hour": 1, "minute": 28}
